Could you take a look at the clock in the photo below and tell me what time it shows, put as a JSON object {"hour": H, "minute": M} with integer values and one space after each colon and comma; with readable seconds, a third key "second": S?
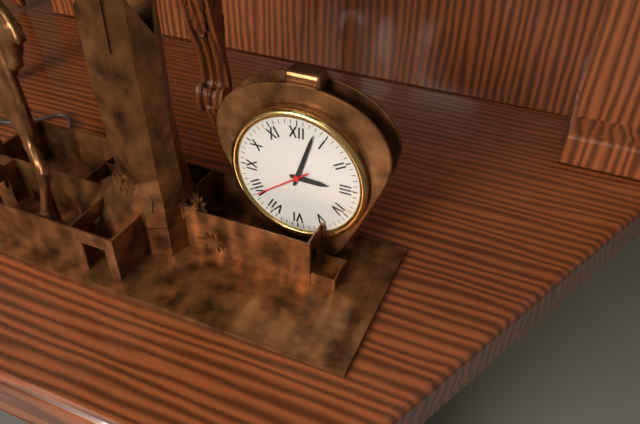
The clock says {"hour": 3, "minute": 3, "second": 39}
